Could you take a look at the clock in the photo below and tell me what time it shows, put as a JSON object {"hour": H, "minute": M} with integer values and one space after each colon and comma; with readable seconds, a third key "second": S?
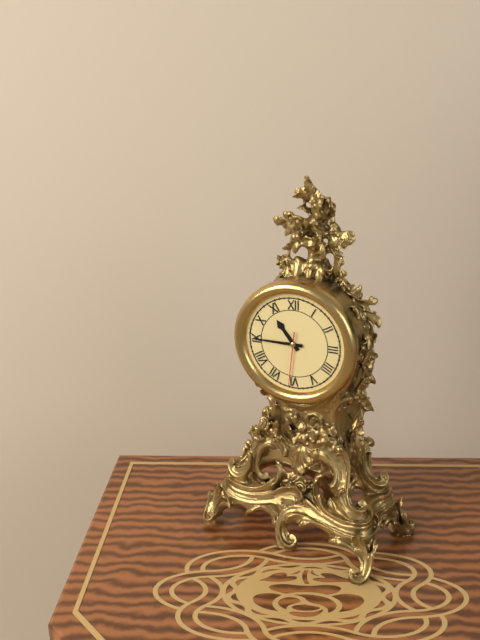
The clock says {"hour": 10, "minute": 45, "second": 31}
